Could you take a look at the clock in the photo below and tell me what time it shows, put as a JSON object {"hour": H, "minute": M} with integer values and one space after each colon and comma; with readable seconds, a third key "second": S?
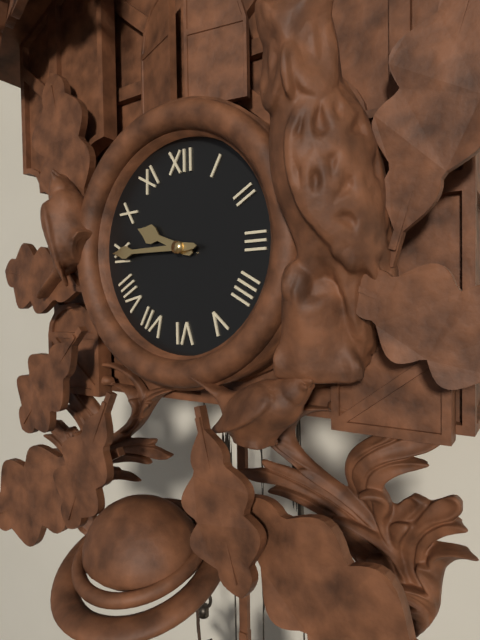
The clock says {"hour": 9, "minute": 45}
